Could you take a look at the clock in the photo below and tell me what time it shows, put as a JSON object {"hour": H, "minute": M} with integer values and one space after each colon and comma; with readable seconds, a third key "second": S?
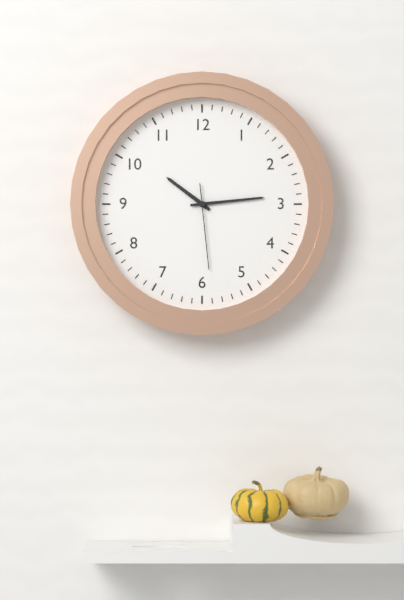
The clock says {"hour": 10, "minute": 14, "second": 29}
